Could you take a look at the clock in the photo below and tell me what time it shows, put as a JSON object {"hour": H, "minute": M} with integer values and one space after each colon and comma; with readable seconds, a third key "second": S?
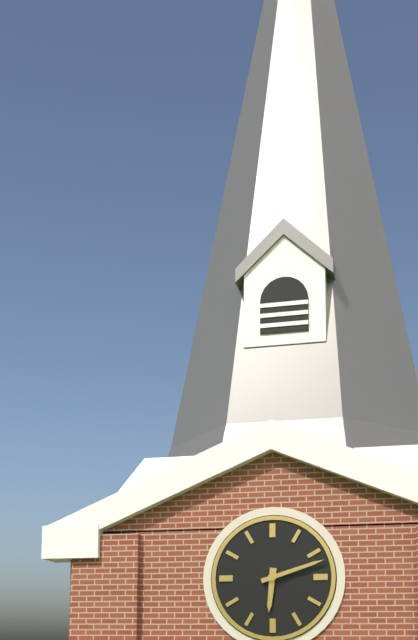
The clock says {"hour": 6, "minute": 12}
